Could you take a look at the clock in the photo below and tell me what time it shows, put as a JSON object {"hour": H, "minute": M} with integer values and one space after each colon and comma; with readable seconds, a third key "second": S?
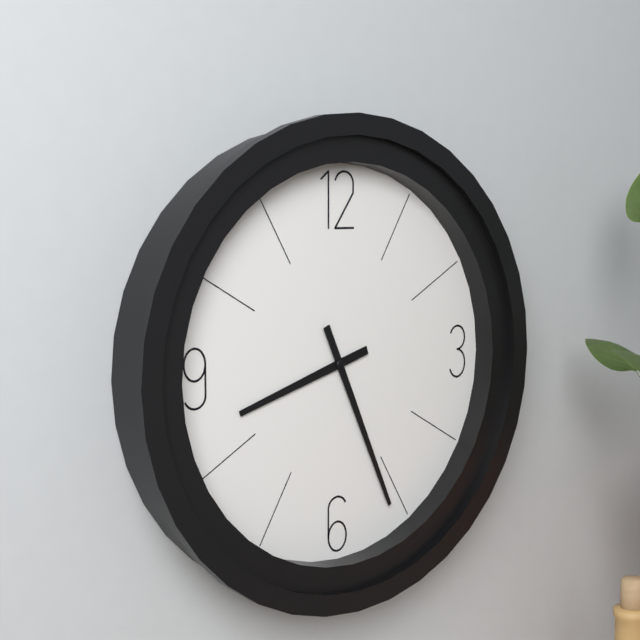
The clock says {"hour": 8, "minute": 26}
